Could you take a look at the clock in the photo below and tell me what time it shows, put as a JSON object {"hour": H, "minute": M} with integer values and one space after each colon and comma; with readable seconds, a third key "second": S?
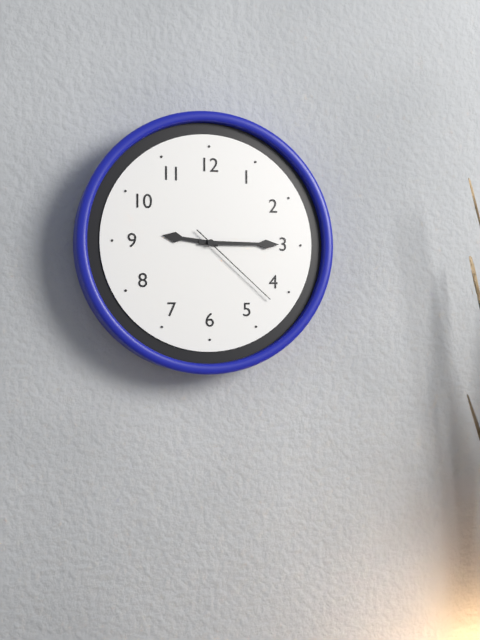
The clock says {"hour": 9, "minute": 15, "second": 22}
